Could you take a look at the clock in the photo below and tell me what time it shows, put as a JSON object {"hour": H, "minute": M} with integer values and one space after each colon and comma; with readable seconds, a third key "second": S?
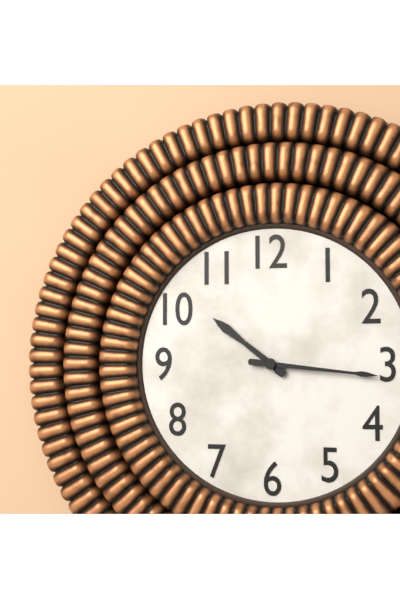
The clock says {"hour": 10, "minute": 16}
